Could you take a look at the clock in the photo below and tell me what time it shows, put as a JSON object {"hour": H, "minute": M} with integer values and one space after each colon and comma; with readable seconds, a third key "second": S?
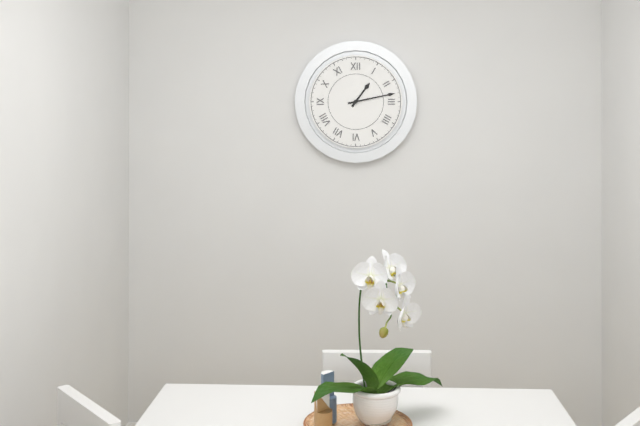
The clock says {"hour": 1, "minute": 13}
